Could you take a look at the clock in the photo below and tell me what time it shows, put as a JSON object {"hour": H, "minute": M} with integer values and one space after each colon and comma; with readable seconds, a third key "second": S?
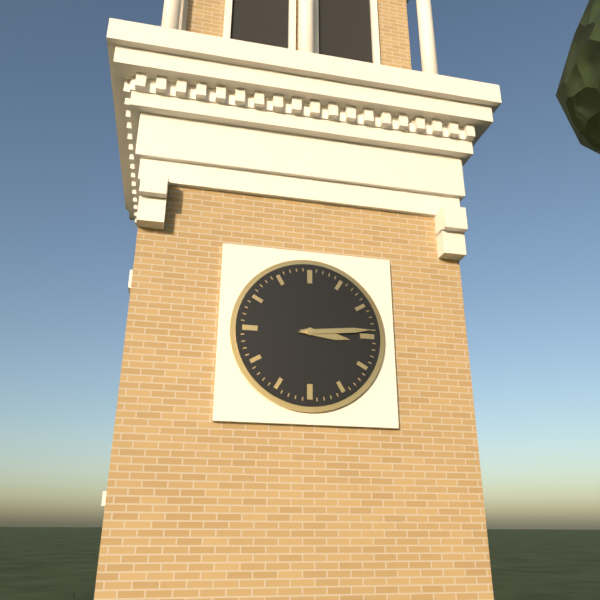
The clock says {"hour": 3, "minute": 14}
